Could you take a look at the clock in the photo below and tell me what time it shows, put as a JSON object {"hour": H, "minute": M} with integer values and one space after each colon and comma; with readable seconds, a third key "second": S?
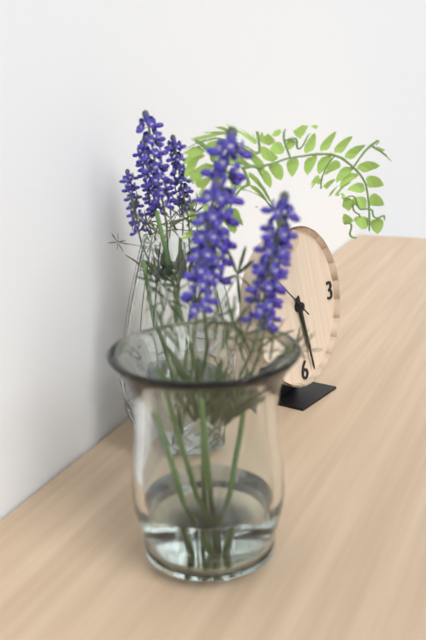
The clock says {"hour": 5, "minute": 28}
